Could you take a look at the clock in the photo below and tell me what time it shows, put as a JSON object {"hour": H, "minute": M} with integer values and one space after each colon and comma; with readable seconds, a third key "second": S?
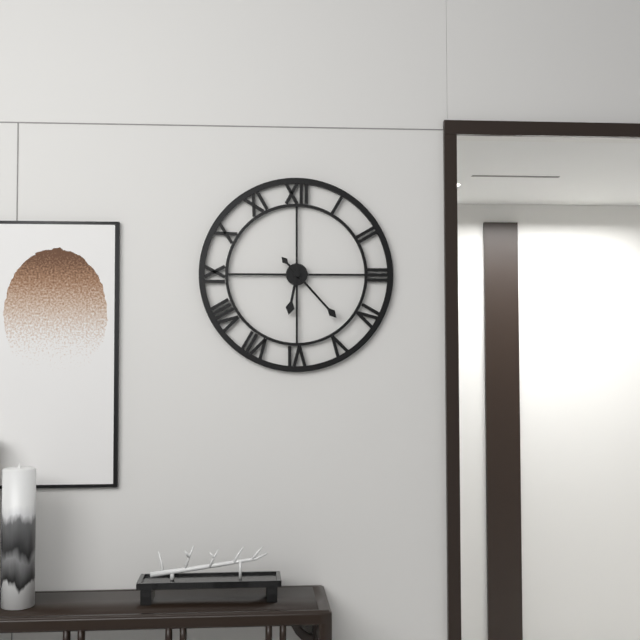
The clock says {"hour": 6, "minute": 23}
